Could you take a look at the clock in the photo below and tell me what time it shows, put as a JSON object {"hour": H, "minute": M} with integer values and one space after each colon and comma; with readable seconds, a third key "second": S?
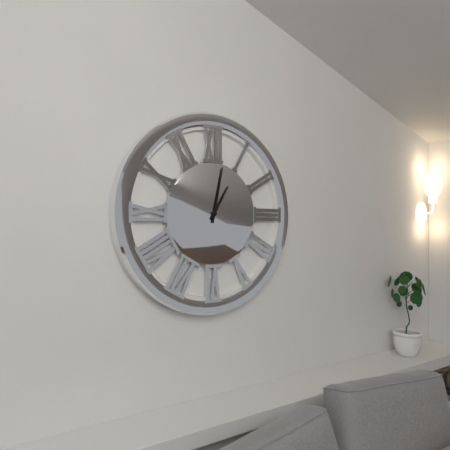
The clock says {"hour": 1, "minute": 2}
